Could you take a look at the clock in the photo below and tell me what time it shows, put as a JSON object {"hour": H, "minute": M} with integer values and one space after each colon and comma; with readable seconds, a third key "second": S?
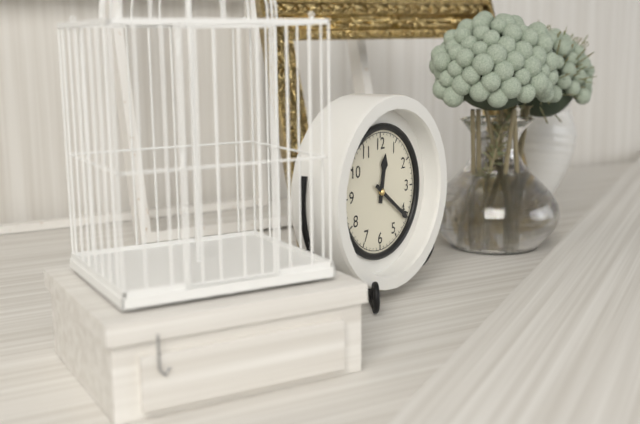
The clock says {"hour": 12, "minute": 21}
